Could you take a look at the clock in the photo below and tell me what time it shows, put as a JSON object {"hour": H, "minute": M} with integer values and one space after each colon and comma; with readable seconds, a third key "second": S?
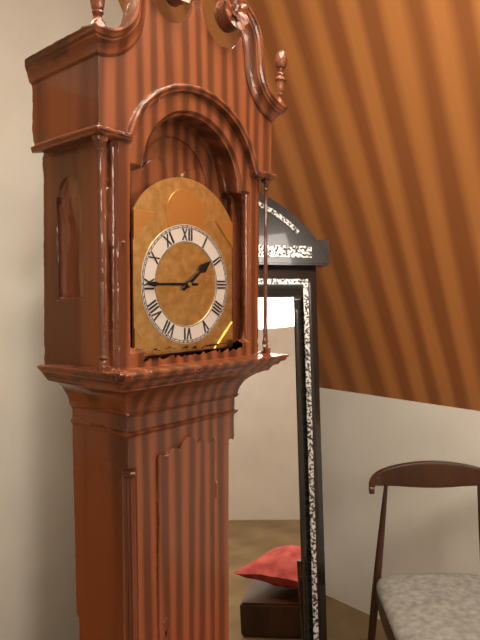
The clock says {"hour": 1, "minute": 45}
